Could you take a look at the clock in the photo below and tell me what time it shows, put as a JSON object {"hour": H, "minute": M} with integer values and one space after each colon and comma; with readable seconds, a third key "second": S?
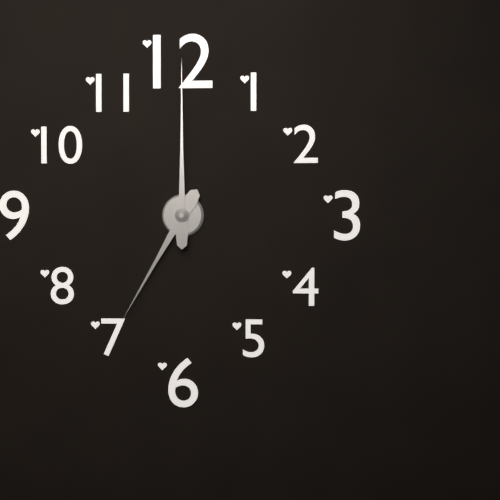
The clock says {"hour": 7, "minute": 0}
